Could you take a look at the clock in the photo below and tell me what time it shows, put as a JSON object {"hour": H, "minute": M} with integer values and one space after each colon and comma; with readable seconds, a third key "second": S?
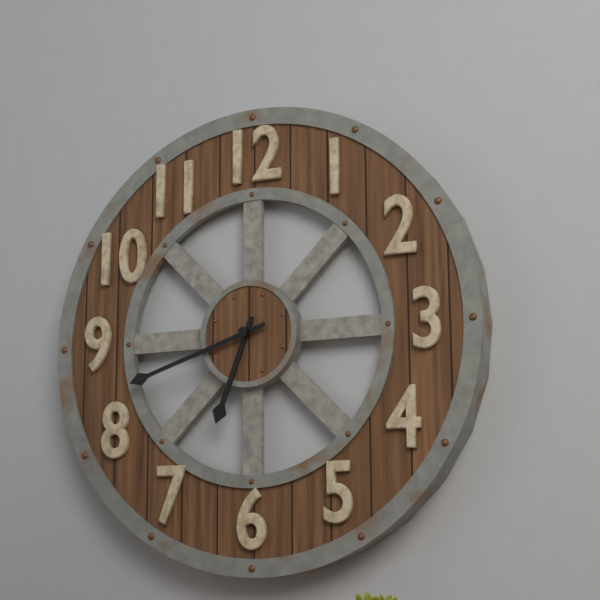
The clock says {"hour": 6, "minute": 42}
